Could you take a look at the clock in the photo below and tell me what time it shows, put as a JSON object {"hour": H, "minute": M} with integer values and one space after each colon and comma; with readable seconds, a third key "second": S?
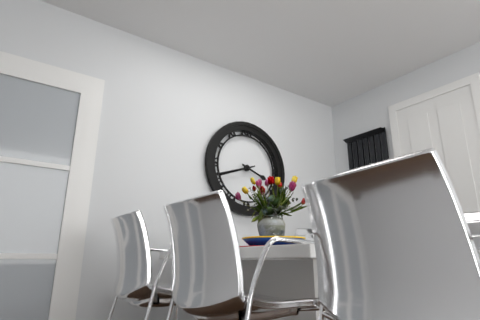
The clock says {"hour": 3, "minute": 42}
